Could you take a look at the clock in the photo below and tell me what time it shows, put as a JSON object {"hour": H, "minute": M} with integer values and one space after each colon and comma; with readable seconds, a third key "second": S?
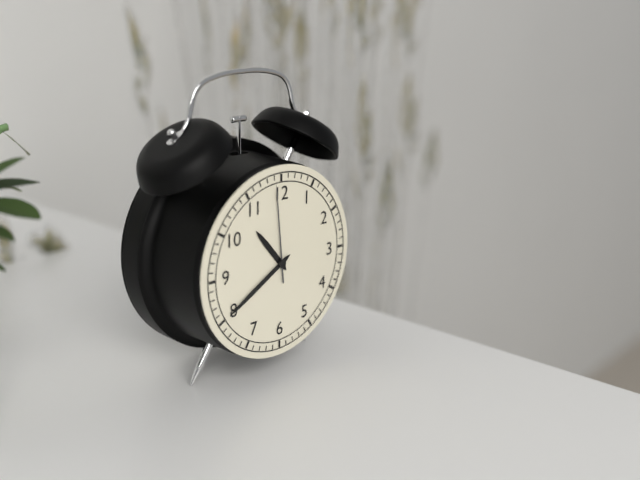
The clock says {"hour": 10, "minute": 40, "second": 59}
